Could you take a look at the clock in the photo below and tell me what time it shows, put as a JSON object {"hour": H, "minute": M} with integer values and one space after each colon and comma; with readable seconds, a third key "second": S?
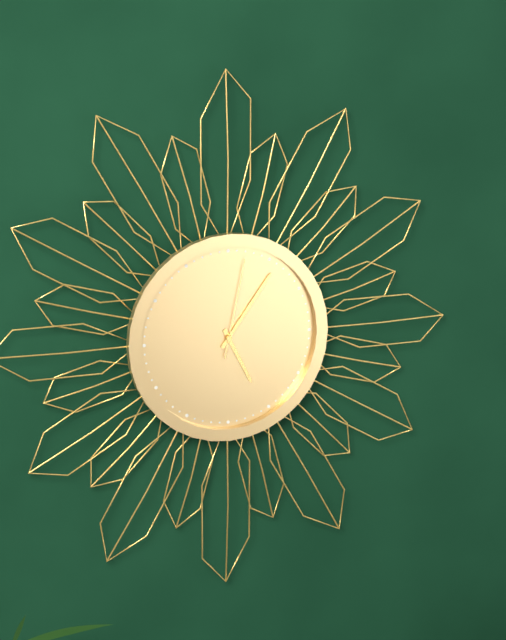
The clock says {"hour": 5, "minute": 6, "second": 2}
